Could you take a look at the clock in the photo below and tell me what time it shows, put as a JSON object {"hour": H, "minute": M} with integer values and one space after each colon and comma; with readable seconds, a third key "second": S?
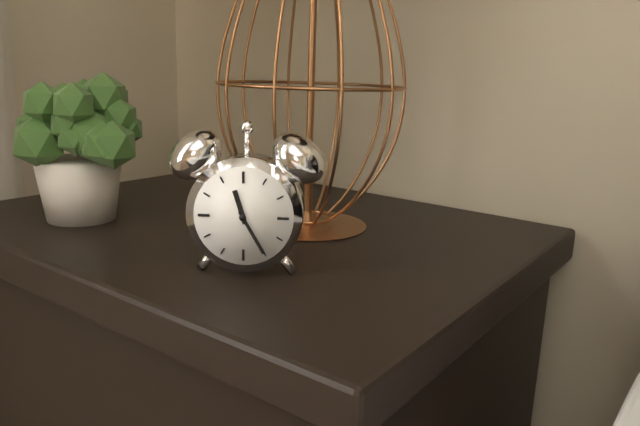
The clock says {"hour": 11, "minute": 25}
